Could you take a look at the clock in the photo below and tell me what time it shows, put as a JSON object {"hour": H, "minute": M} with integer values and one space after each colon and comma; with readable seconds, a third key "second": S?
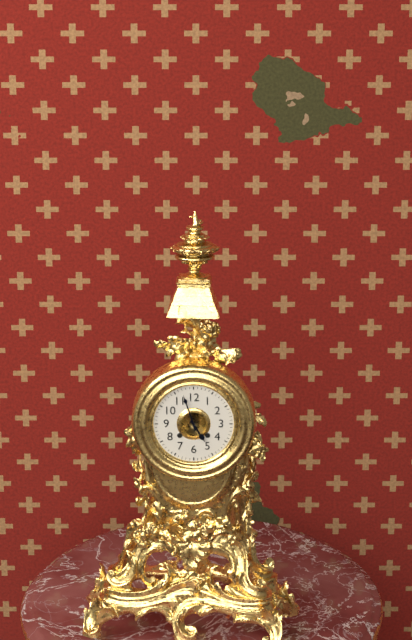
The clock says {"hour": 4, "minute": 57}
